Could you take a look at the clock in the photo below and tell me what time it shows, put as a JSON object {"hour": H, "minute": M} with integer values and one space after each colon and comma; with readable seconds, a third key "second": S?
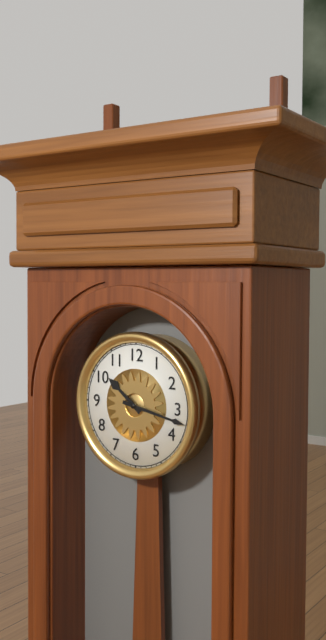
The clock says {"hour": 10, "minute": 17}
